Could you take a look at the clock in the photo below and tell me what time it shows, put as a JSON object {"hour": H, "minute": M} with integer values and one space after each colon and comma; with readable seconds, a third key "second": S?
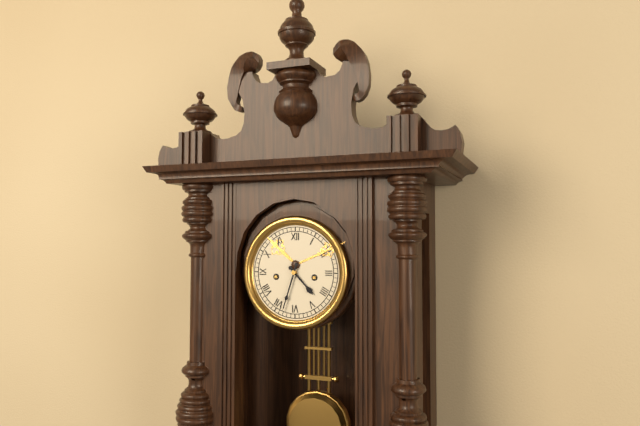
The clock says {"hour": 4, "minute": 33}
